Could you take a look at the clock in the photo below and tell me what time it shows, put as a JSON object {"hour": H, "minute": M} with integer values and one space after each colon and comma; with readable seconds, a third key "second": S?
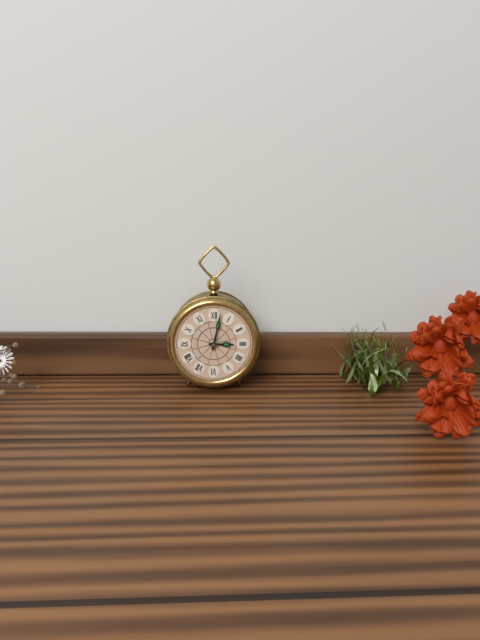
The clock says {"hour": 3, "minute": 2}
